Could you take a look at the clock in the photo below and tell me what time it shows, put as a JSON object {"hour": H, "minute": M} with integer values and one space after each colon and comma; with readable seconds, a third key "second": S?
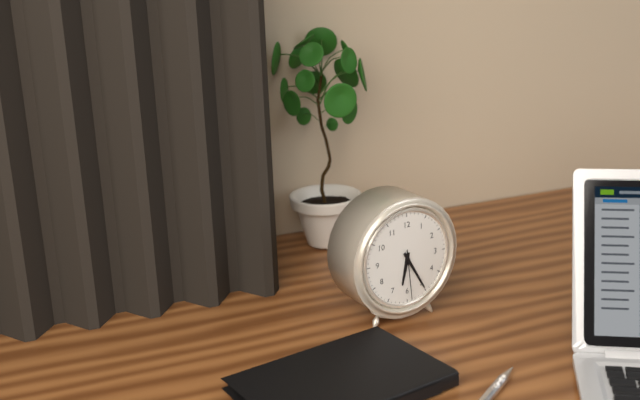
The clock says {"hour": 6, "minute": 25, "second": 29}
